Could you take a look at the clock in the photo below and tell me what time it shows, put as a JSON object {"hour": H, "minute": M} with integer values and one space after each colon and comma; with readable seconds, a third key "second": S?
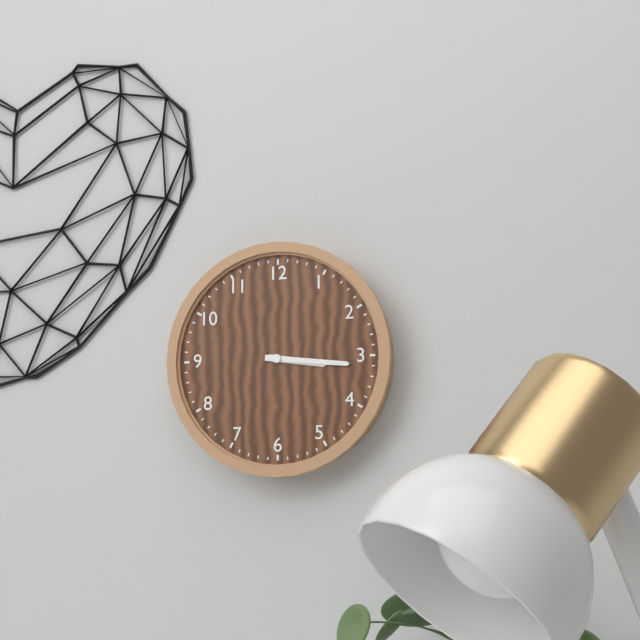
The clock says {"hour": 3, "minute": 16}
